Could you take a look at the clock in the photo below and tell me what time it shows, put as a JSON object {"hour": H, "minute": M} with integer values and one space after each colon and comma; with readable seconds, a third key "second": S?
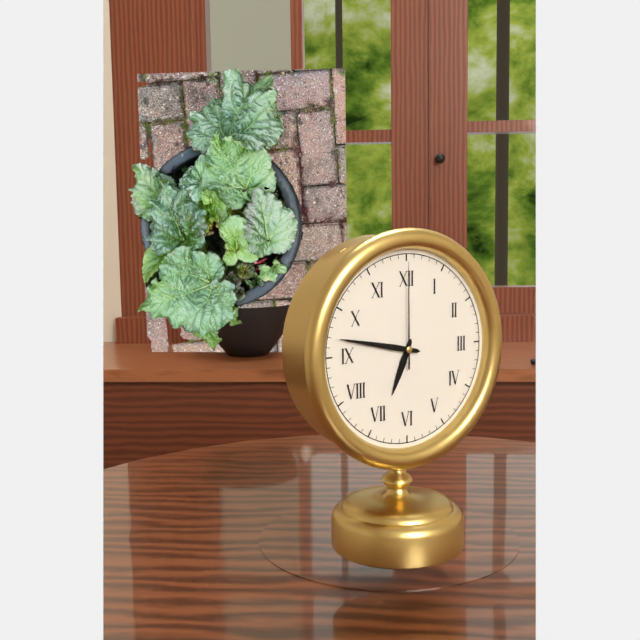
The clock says {"hour": 6, "minute": 47, "second": 0}
